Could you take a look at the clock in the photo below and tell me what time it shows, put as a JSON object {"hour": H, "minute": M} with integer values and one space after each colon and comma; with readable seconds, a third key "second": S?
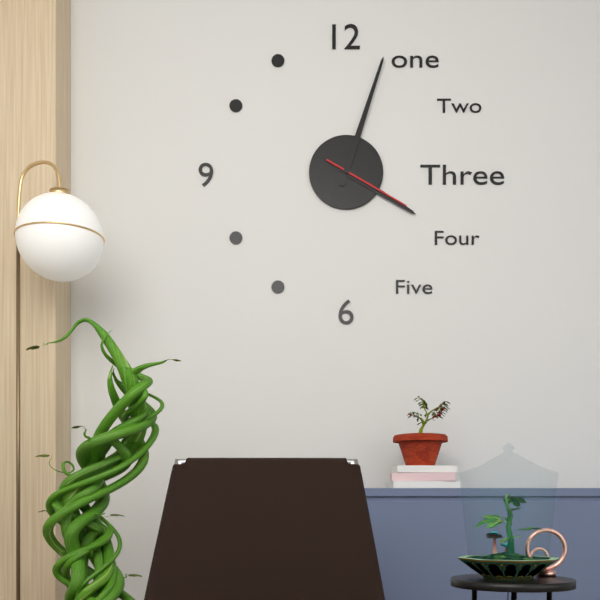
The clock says {"hour": 4, "minute": 3, "second": 20}
